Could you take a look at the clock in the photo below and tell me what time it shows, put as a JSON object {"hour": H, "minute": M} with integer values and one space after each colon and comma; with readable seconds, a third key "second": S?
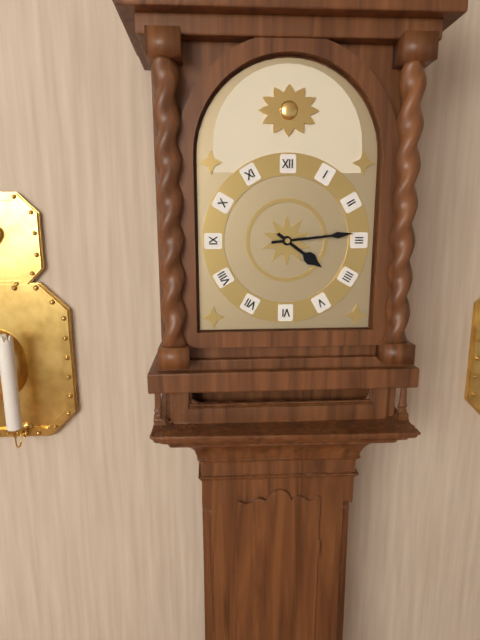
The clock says {"hour": 4, "minute": 14}
